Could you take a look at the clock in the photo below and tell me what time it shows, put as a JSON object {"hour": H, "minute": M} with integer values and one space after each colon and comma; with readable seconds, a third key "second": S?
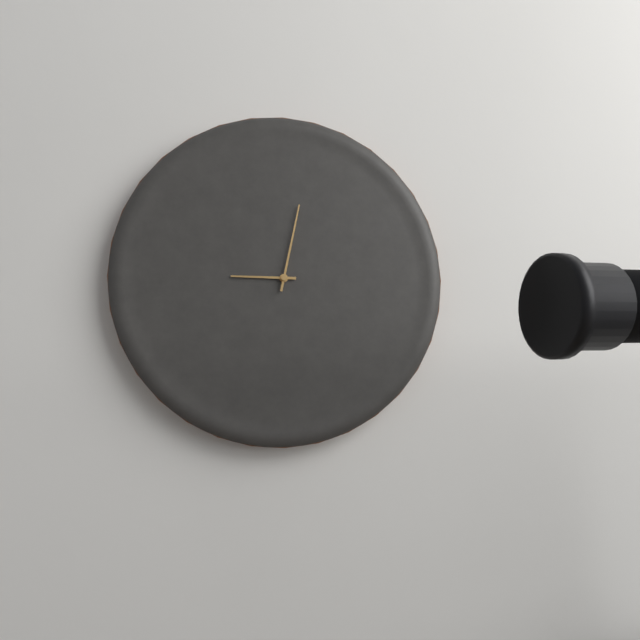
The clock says {"hour": 9, "minute": 2}
